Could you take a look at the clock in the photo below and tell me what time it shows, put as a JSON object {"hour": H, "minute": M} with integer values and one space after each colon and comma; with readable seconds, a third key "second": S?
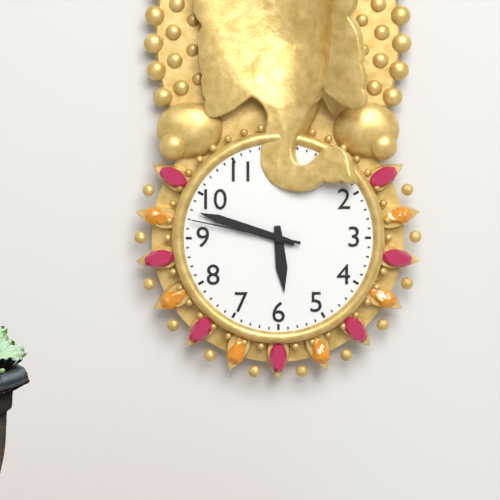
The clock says {"hour": 5, "minute": 48, "second": 47}
